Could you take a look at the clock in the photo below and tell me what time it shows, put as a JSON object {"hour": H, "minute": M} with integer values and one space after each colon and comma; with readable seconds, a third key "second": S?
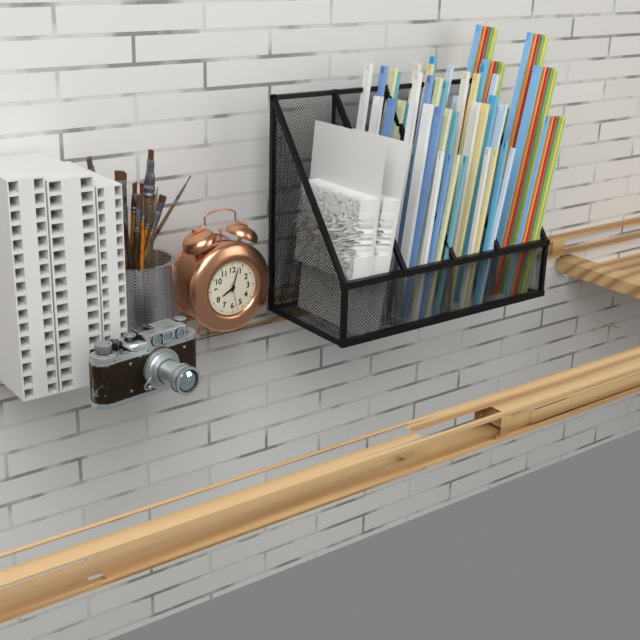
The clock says {"hour": 8, "minute": 3}
